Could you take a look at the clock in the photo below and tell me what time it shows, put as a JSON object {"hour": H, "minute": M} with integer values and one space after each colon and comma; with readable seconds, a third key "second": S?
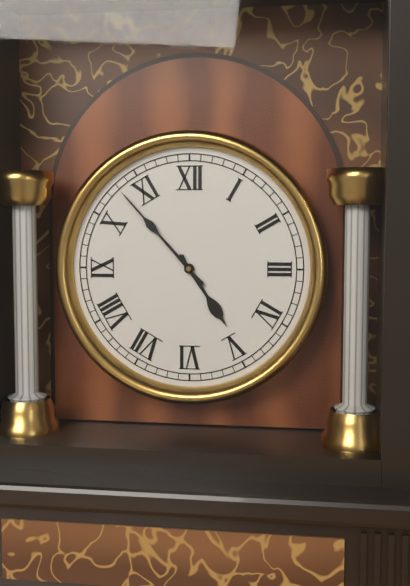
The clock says {"hour": 4, "minute": 53}
